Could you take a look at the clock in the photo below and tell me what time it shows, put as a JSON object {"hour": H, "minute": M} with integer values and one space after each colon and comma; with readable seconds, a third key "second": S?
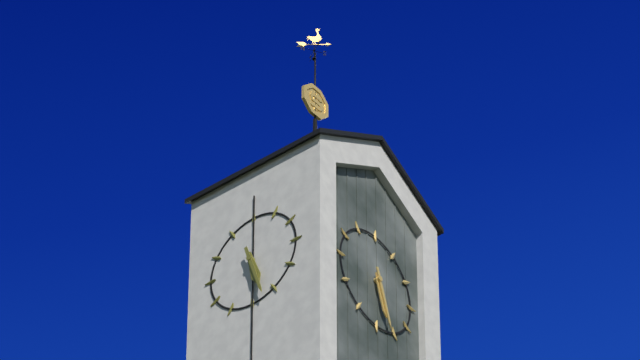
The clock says {"hour": 5, "minute": 27}
